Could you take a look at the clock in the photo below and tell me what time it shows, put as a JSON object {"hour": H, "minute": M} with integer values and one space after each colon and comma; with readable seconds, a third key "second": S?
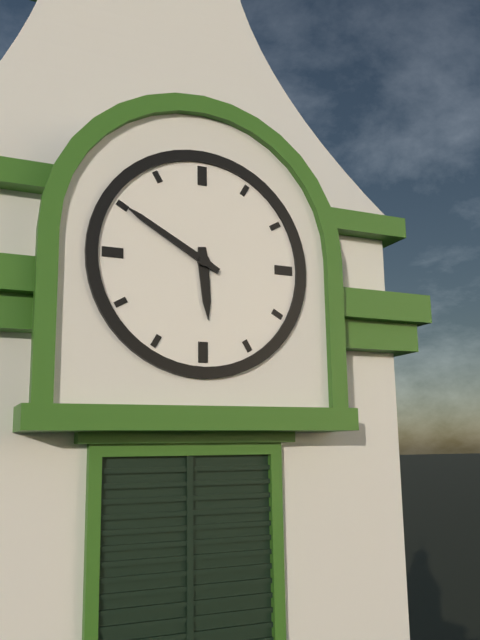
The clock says {"hour": 5, "minute": 50}
